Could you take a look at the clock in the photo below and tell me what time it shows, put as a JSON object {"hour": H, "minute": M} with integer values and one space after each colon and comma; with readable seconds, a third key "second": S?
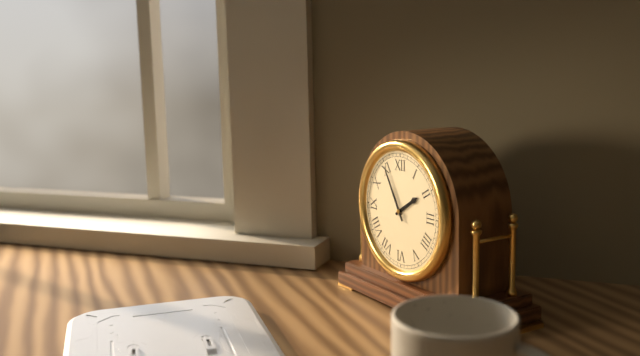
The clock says {"hour": 1, "minute": 55}
